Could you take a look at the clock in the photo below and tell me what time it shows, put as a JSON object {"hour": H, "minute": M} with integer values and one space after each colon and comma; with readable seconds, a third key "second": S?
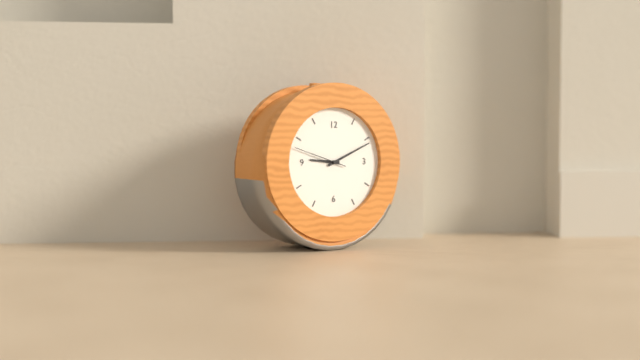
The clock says {"hour": 9, "minute": 11, "second": 48}
